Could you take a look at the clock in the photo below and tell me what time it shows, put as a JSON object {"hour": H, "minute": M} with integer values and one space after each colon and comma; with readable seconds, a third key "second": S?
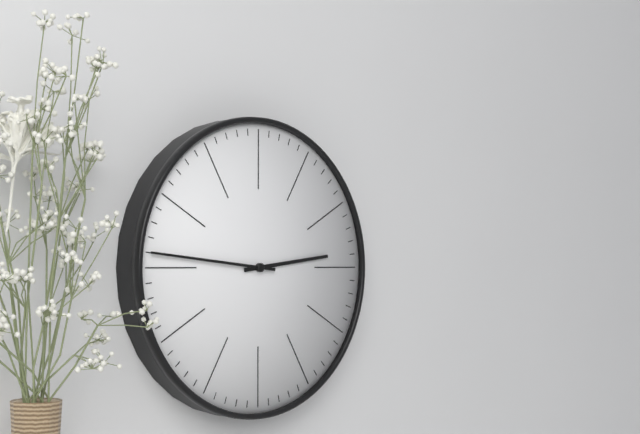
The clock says {"hour": 2, "minute": 46}
